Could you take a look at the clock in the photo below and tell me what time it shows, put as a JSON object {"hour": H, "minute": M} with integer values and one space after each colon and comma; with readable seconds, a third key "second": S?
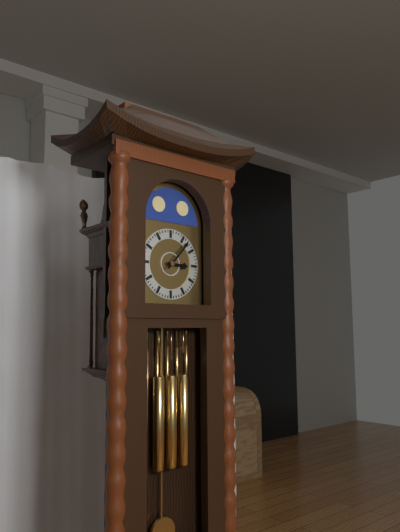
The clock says {"hour": 3, "minute": 7}
